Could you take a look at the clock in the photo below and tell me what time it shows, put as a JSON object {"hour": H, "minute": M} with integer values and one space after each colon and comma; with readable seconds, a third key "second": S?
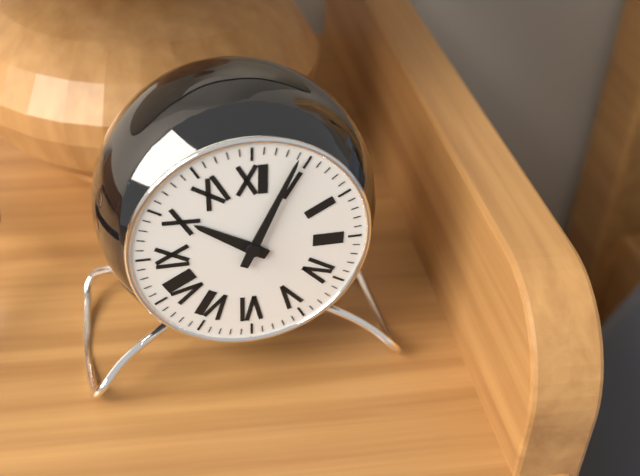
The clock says {"hour": 10, "minute": 4}
